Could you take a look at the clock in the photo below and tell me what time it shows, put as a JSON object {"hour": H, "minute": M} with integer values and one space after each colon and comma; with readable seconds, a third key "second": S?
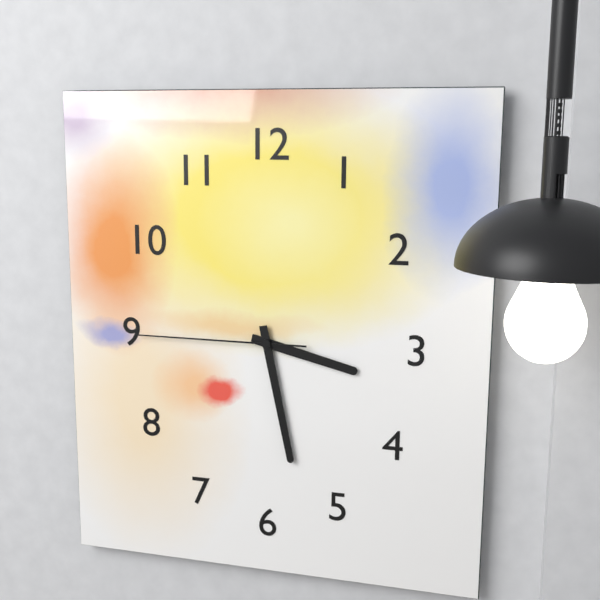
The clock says {"hour": 3, "minute": 28, "second": 45}
